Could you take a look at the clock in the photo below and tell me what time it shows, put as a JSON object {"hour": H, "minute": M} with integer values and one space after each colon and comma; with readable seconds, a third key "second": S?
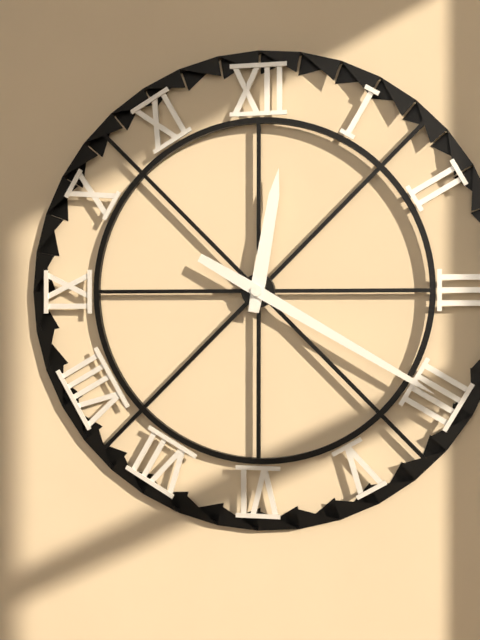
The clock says {"hour": 12, "minute": 20}
